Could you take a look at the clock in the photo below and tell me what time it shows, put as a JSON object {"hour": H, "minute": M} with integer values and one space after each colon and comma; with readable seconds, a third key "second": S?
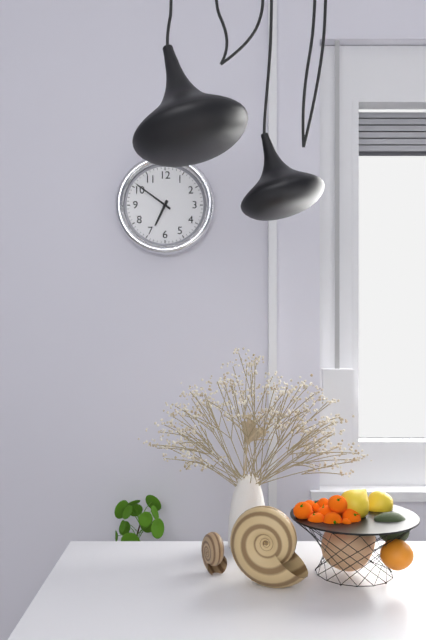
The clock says {"hour": 6, "minute": 51}
